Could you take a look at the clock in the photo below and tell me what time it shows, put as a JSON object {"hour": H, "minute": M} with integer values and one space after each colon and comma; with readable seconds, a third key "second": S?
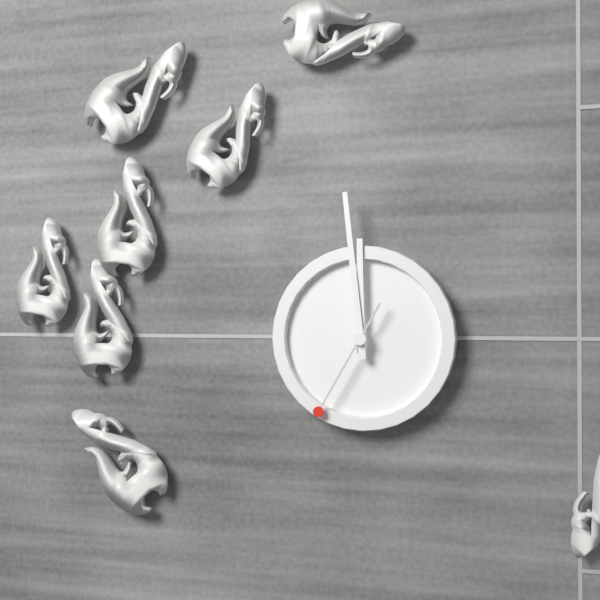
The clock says {"hour": 11, "minute": 59, "second": 35}
